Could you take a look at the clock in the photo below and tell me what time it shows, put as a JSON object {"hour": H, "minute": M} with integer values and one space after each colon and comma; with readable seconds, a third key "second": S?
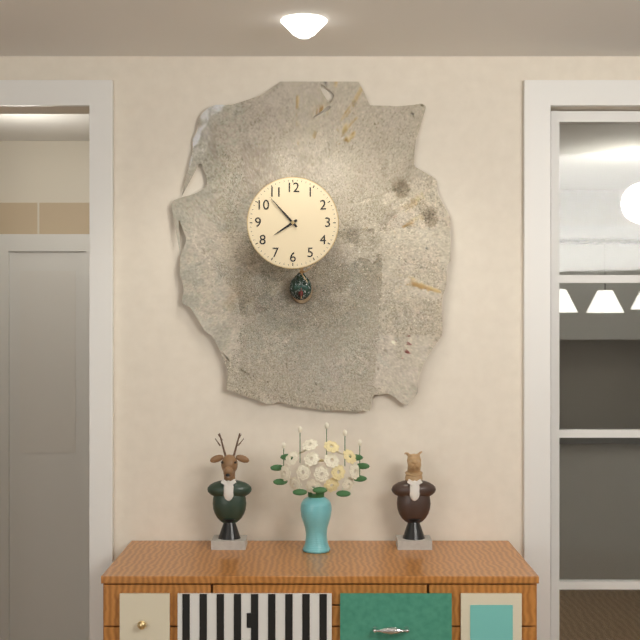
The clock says {"hour": 7, "minute": 53}
